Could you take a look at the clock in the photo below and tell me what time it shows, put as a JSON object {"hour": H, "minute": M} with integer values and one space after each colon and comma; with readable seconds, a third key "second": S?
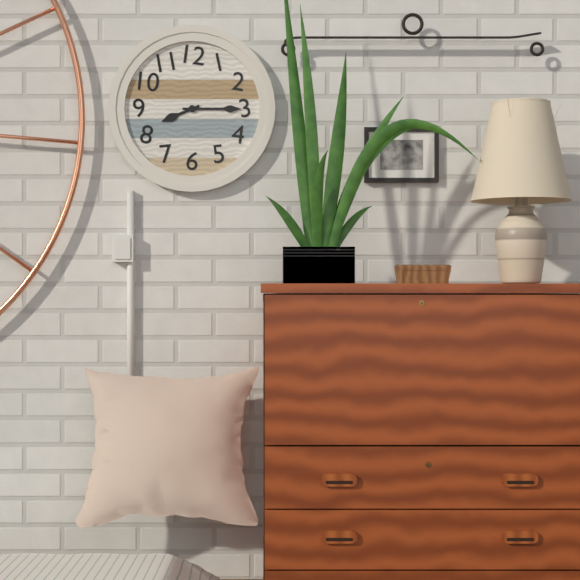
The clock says {"hour": 8, "minute": 15}
